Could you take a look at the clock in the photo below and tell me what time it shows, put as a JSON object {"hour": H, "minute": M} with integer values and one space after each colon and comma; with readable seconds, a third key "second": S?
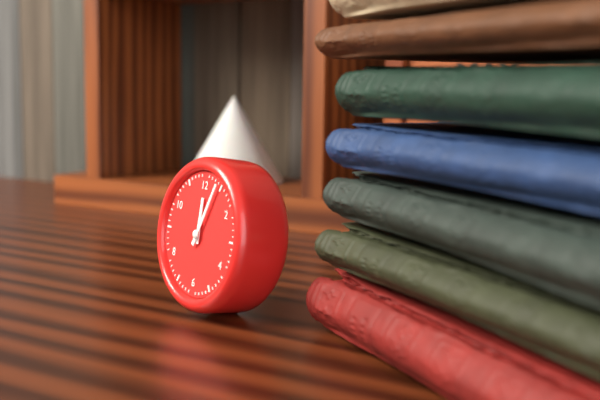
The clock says {"hour": 12, "minute": 4}
